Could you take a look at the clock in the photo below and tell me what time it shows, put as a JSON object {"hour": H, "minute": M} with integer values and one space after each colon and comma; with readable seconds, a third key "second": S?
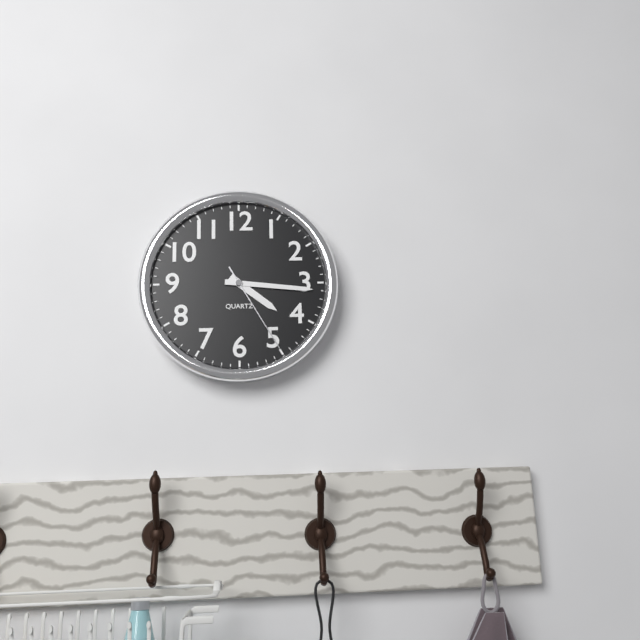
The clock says {"hour": 4, "minute": 16, "second": 25}
